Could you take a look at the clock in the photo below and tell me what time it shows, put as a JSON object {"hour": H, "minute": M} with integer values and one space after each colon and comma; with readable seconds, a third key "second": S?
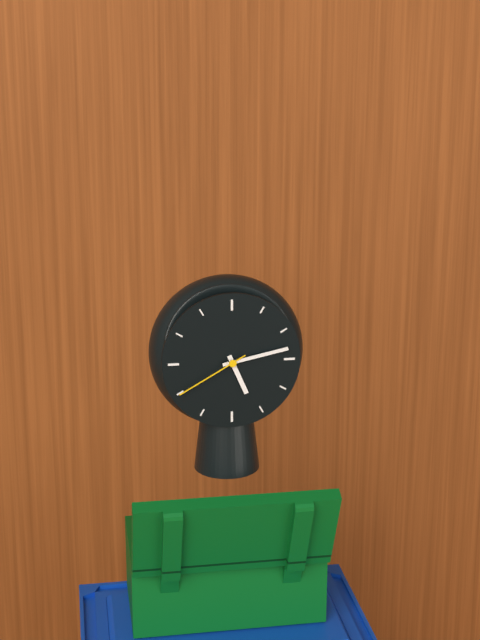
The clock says {"hour": 5, "minute": 13, "second": 40}
